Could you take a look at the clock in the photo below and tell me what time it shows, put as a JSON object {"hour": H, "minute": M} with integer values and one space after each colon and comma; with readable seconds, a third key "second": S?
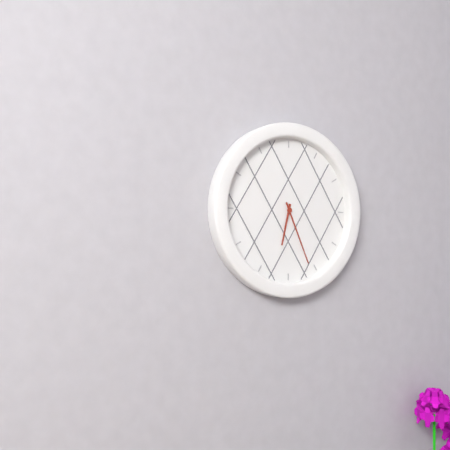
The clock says {"hour": 6, "minute": 26}
